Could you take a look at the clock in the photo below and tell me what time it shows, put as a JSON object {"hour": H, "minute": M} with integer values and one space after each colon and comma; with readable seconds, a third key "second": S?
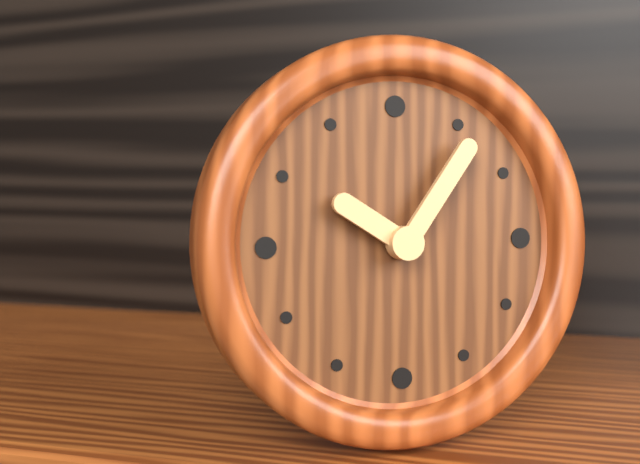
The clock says {"hour": 10, "minute": 6}
